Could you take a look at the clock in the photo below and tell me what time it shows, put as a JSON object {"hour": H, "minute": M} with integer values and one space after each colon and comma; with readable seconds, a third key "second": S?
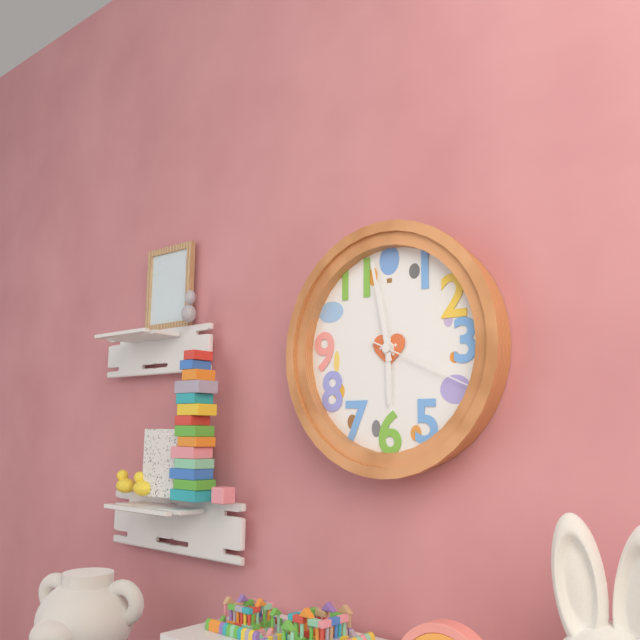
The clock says {"hour": 5, "minute": 58, "second": 19}
